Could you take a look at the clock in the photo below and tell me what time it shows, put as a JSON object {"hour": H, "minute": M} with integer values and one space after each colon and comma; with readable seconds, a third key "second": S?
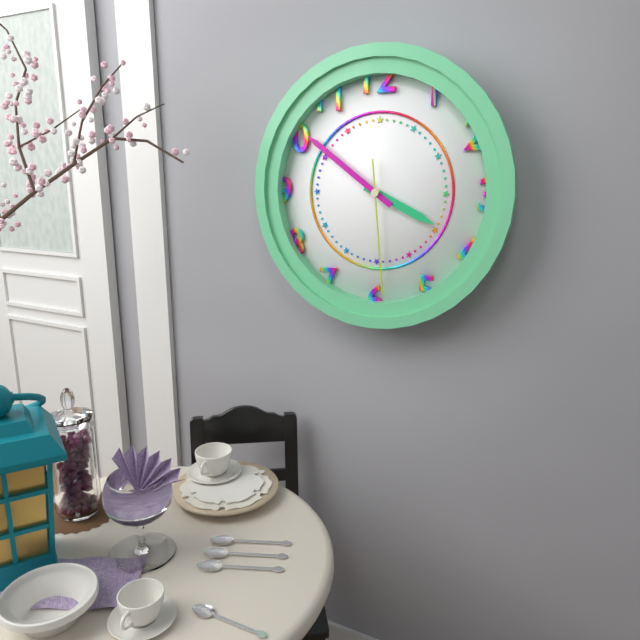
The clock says {"hour": 3, "minute": 51, "second": 29}
